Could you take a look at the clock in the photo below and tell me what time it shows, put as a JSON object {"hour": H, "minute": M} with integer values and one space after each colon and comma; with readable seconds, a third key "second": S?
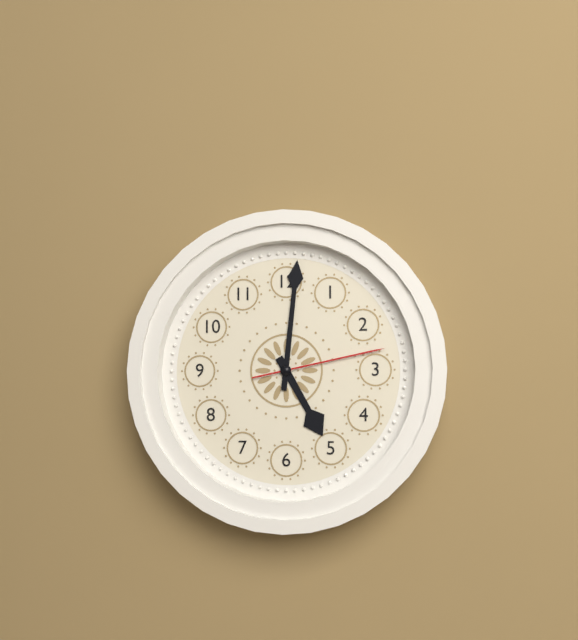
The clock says {"hour": 5, "minute": 1, "second": 13}
